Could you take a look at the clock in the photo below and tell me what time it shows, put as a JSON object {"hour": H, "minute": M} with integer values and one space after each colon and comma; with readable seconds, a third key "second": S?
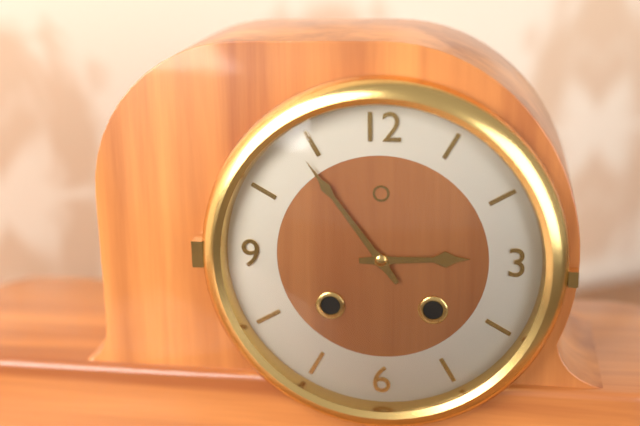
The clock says {"hour": 2, "minute": 54}
